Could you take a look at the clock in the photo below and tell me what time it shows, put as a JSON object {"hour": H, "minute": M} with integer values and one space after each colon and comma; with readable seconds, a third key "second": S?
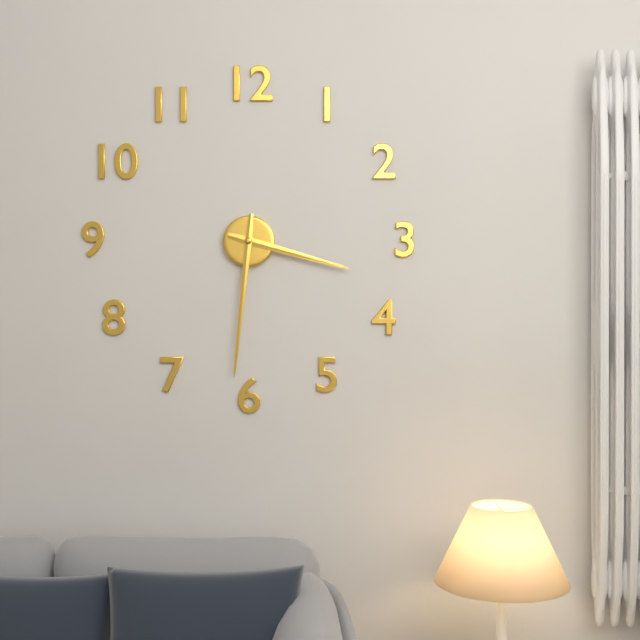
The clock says {"hour": 3, "minute": 31}
